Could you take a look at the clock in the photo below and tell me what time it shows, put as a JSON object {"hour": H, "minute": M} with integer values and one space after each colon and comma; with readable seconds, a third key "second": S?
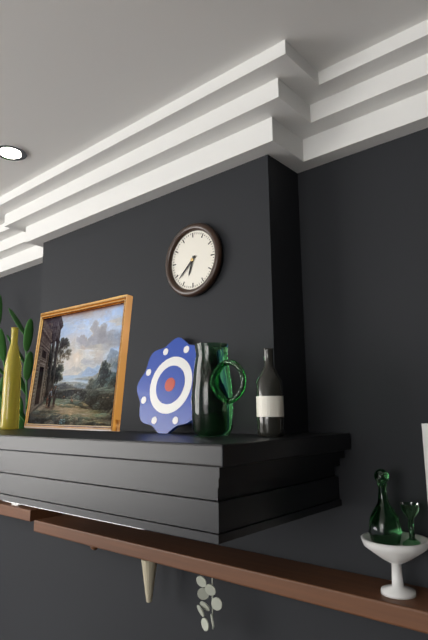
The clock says {"hour": 6, "minute": 38}
